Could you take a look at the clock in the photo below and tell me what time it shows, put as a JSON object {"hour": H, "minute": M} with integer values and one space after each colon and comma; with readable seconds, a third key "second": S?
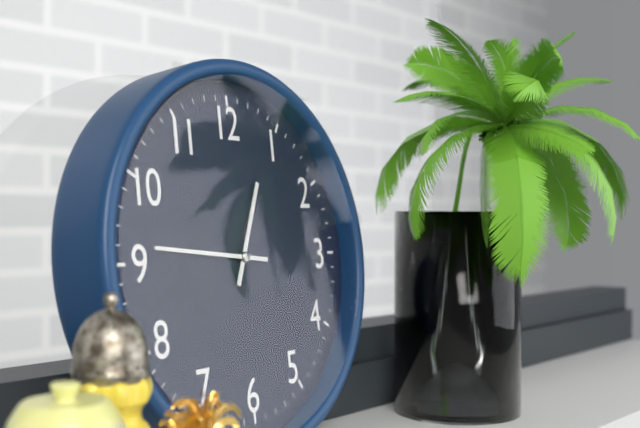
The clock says {"hour": 12, "minute": 46}
